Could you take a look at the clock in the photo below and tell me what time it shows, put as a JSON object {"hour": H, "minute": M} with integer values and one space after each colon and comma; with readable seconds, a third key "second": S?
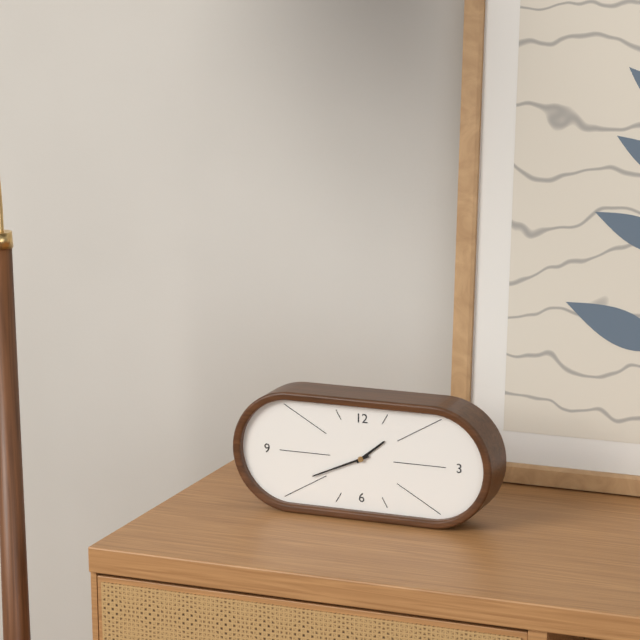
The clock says {"hour": 1, "minute": 41}
